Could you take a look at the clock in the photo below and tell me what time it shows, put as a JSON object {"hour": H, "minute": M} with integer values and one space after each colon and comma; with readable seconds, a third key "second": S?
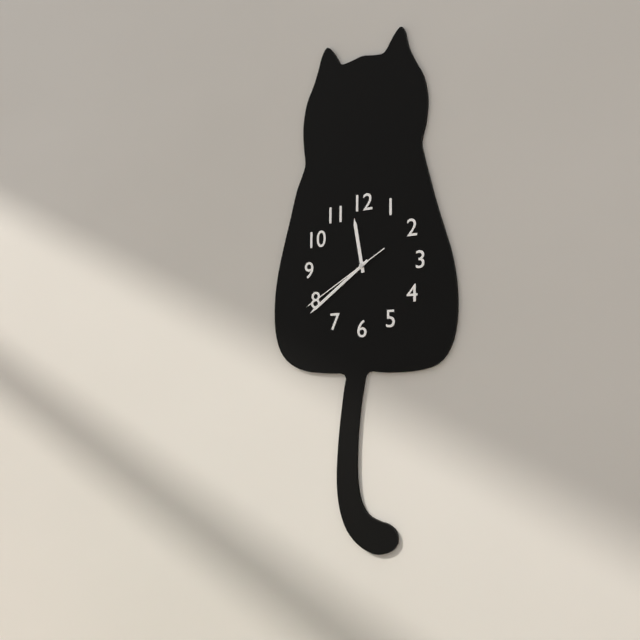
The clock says {"hour": 11, "minute": 39, "second": 40}
